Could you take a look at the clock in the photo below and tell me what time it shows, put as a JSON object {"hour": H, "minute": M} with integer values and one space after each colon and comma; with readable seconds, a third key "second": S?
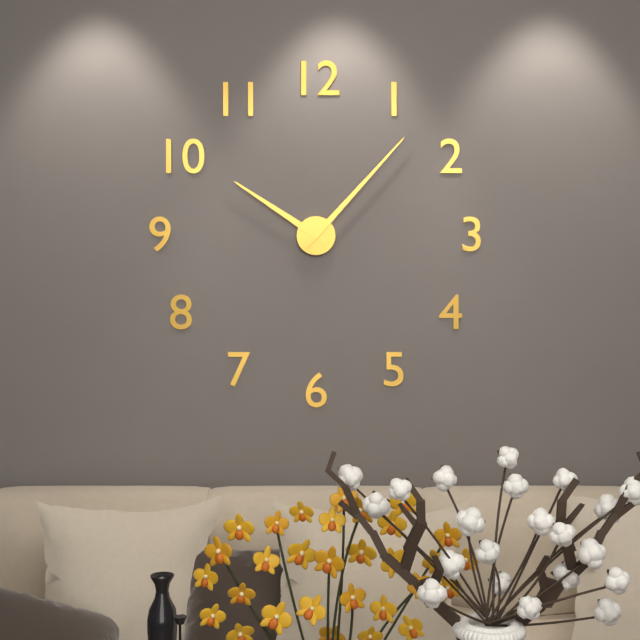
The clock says {"hour": 10, "minute": 7}
